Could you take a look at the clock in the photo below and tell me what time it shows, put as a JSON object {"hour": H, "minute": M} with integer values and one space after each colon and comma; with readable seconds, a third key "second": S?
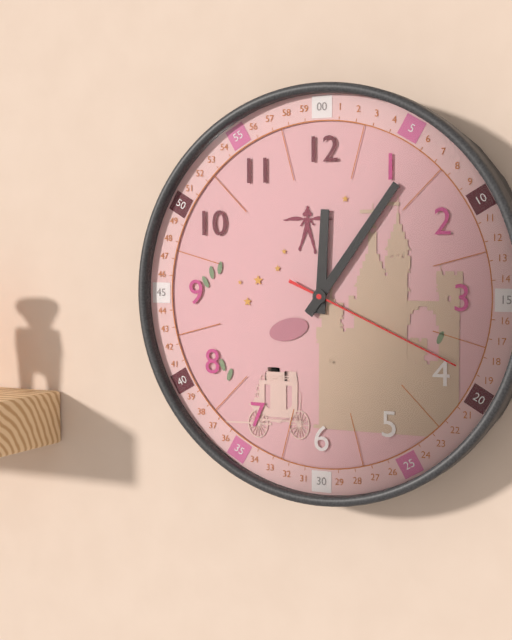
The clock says {"hour": 12, "minute": 6, "second": 19}
